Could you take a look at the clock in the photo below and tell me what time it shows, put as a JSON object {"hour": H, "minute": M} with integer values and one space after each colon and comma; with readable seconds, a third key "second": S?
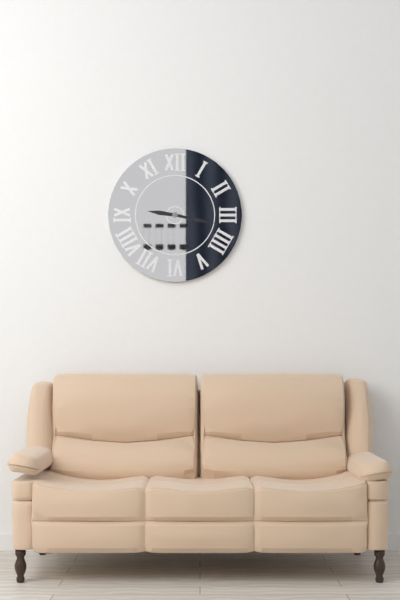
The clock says {"hour": 9, "minute": 17}
